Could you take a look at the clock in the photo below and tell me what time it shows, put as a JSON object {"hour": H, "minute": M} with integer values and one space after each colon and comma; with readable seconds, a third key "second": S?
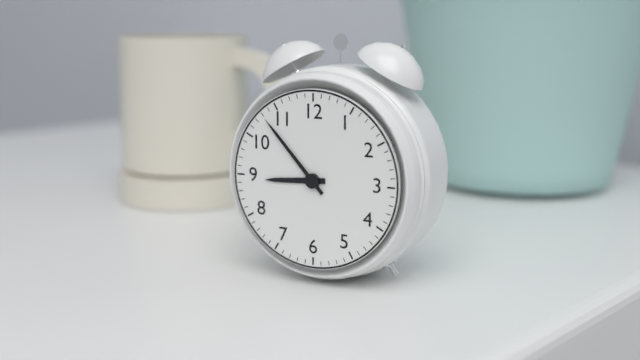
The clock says {"hour": 8, "minute": 53}
